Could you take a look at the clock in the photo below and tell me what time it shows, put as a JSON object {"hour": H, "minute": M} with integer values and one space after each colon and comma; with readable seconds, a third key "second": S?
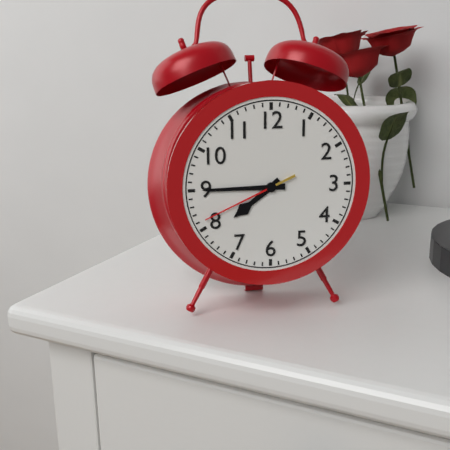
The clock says {"hour": 7, "minute": 45, "second": 41}
